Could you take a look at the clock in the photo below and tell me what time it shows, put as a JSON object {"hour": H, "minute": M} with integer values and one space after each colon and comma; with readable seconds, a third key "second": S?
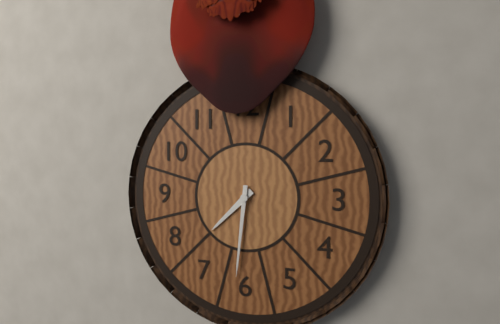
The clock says {"hour": 7, "minute": 31}
